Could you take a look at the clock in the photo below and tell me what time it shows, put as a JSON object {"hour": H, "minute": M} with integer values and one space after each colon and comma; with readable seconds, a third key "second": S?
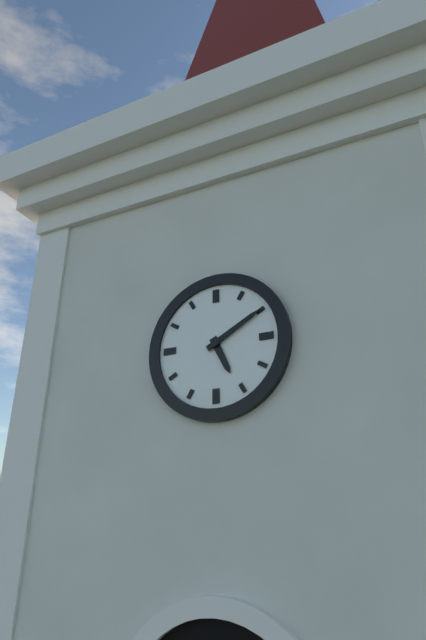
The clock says {"hour": 5, "minute": 10}
